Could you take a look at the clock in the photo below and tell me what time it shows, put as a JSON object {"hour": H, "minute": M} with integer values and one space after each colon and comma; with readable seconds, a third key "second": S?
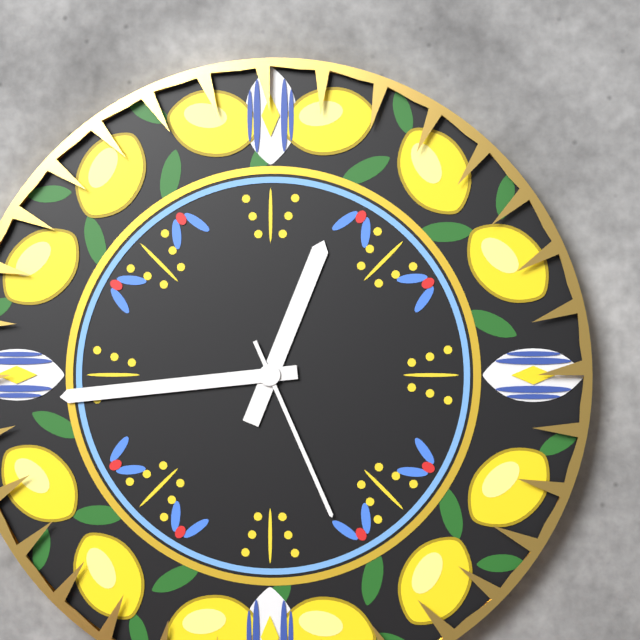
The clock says {"hour": 12, "minute": 44, "second": 26}
